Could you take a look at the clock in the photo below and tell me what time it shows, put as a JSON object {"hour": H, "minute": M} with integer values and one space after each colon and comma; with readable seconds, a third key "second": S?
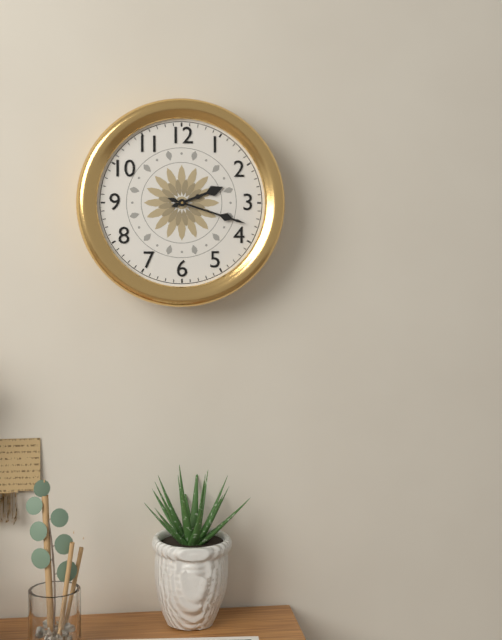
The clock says {"hour": 2, "minute": 18}
